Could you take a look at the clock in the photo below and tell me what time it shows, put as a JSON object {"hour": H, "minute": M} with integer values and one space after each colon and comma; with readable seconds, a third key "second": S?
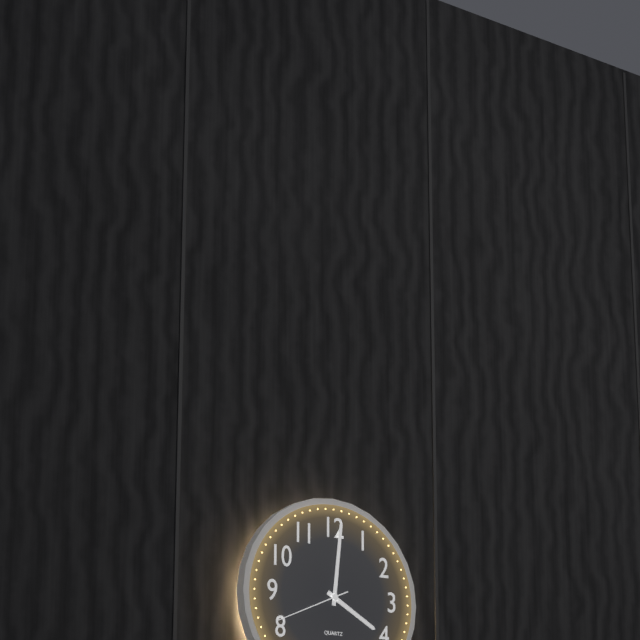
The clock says {"hour": 4, "minute": 1, "second": 41}
